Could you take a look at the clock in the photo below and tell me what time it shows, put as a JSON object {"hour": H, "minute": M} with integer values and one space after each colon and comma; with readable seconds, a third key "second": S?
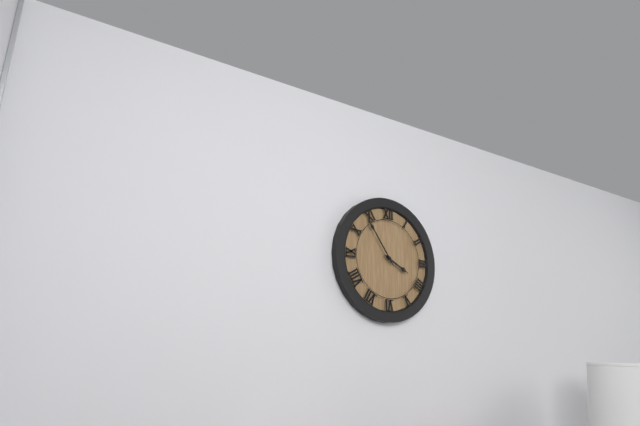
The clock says {"hour": 3, "minute": 54}
